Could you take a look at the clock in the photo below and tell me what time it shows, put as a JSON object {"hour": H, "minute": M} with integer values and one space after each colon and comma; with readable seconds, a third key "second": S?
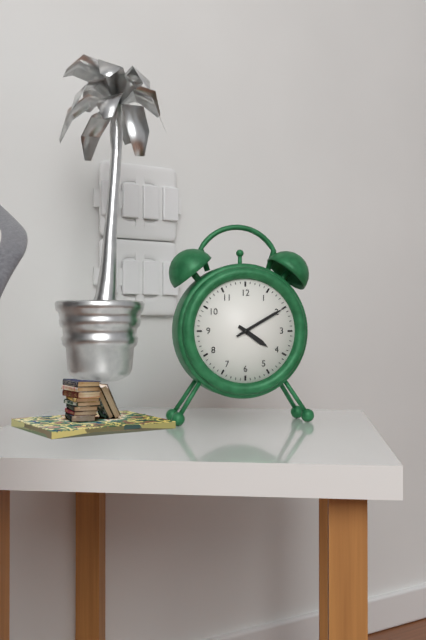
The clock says {"hour": 4, "minute": 10}
